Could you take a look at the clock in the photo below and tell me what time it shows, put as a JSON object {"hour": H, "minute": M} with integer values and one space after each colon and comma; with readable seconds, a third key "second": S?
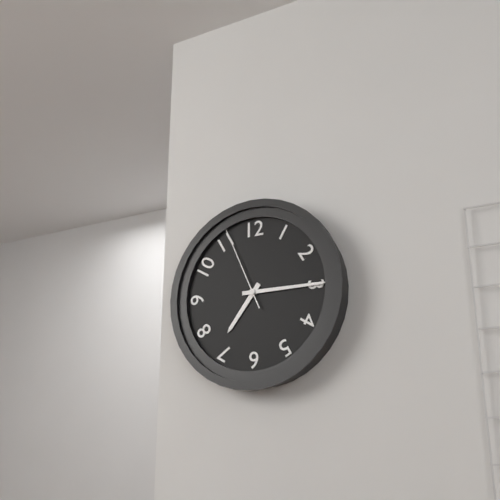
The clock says {"hour": 7, "minute": 15, "second": 56}
